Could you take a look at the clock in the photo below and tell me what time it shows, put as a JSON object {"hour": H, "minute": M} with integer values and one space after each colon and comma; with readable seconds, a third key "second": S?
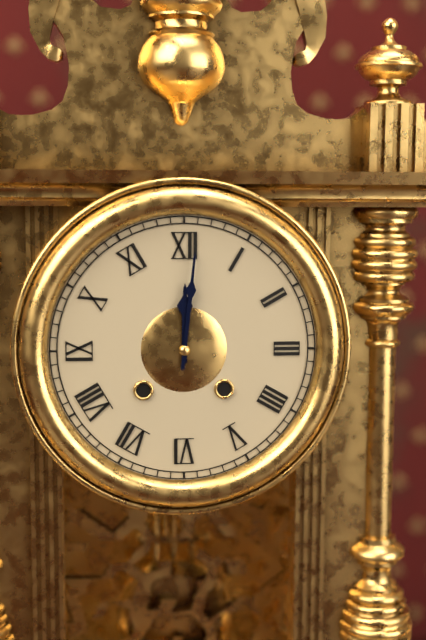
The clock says {"hour": 12, "minute": 1}
